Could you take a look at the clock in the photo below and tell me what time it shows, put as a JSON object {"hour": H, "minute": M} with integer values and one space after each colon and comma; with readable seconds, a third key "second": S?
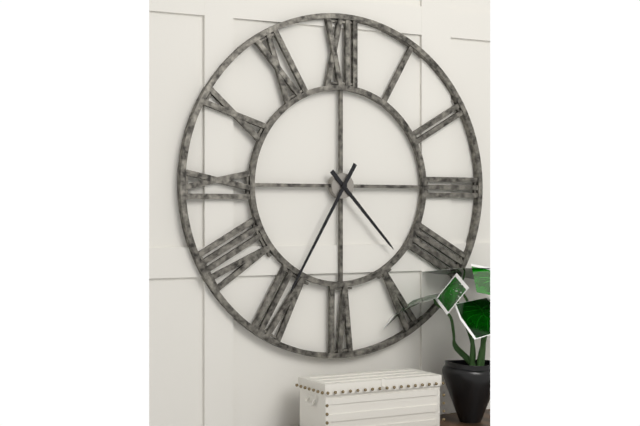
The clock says {"hour": 4, "minute": 35}
